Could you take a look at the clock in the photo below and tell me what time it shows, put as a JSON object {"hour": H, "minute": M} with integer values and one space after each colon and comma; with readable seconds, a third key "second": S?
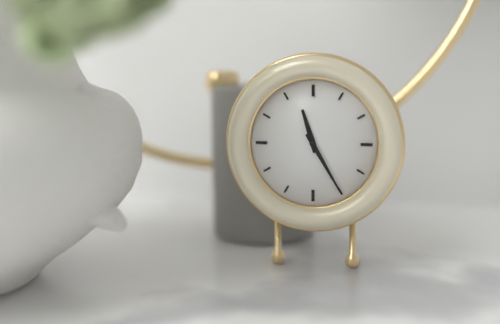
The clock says {"hour": 11, "minute": 25}
